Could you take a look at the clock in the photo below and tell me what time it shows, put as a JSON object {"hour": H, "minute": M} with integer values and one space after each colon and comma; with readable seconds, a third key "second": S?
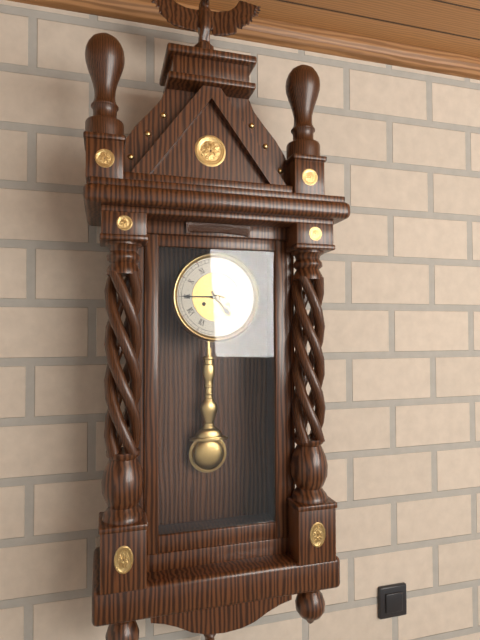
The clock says {"hour": 4, "minute": 45}
